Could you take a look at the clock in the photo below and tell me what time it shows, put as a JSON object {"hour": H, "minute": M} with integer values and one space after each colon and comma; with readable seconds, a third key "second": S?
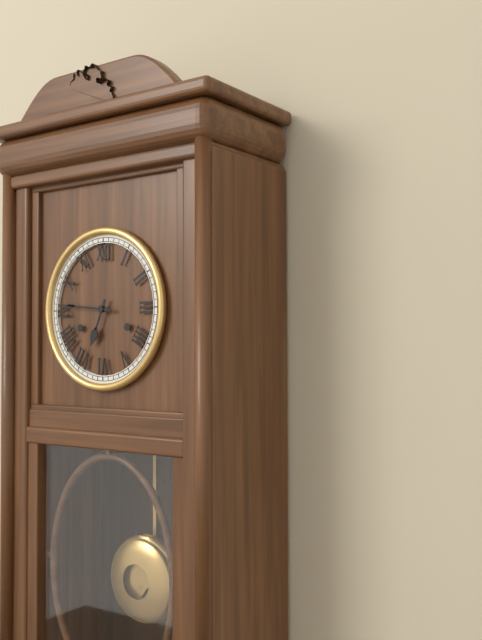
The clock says {"hour": 6, "minute": 46}
